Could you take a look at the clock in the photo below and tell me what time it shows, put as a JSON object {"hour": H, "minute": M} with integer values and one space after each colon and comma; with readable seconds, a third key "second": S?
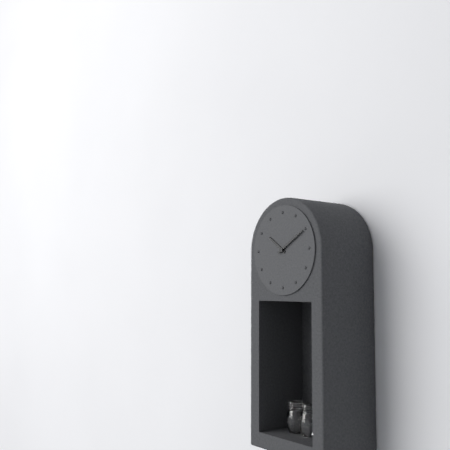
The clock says {"hour": 10, "minute": 10}
